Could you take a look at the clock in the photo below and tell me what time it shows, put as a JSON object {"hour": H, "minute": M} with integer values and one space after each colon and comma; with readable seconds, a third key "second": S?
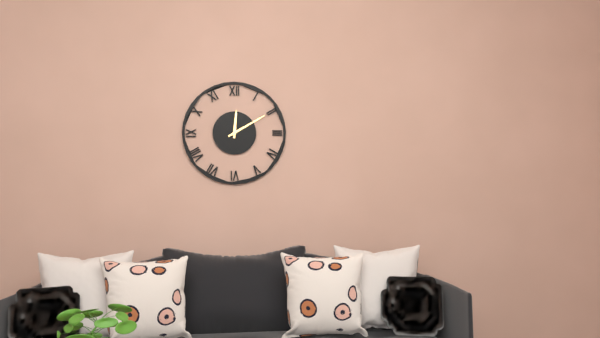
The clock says {"hour": 12, "minute": 10}
